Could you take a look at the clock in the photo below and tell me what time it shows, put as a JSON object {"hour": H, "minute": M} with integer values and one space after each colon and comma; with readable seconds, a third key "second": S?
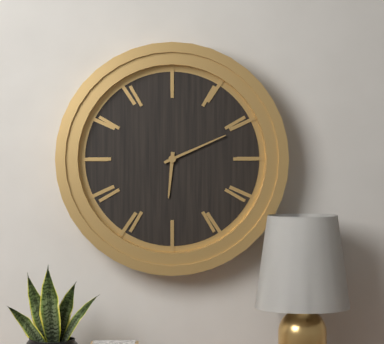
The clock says {"hour": 6, "minute": 11}
